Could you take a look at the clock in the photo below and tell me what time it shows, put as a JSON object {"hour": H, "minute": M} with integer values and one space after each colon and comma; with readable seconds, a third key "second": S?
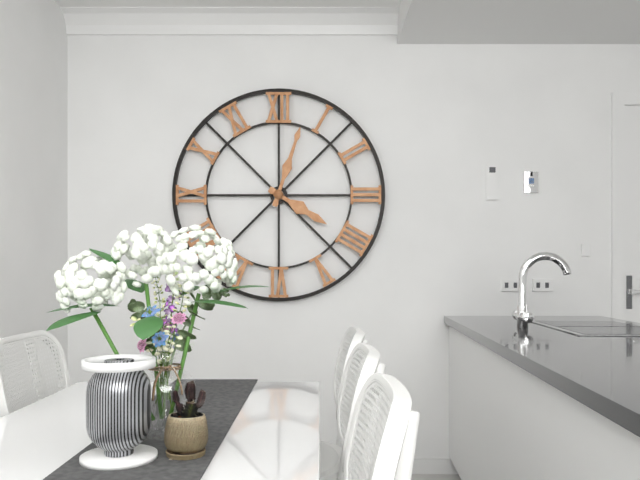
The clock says {"hour": 4, "minute": 3}
